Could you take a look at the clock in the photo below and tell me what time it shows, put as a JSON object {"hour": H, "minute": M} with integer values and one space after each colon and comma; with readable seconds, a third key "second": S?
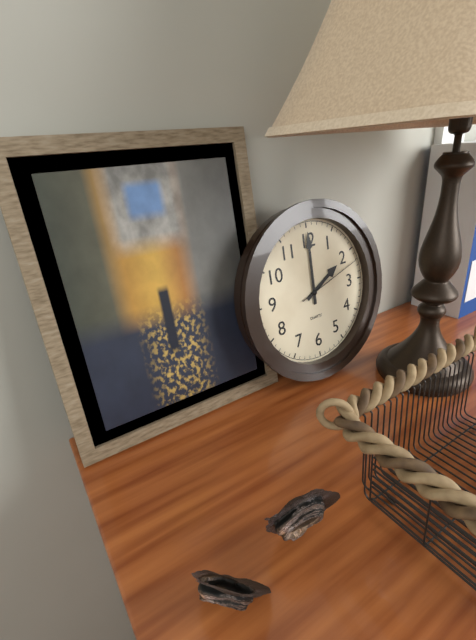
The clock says {"hour": 2, "minute": 0, "second": 12}
